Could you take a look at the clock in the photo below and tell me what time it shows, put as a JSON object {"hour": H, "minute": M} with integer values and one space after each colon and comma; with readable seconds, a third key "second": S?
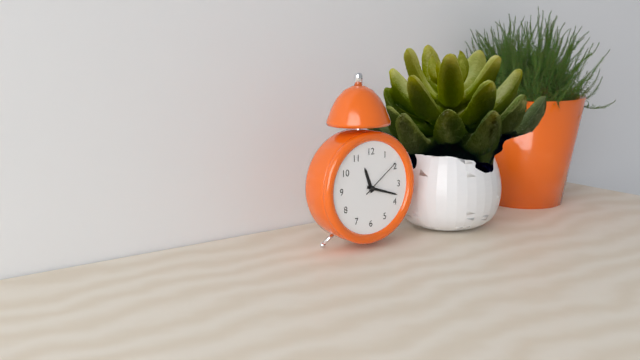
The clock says {"hour": 11, "minute": 18}
